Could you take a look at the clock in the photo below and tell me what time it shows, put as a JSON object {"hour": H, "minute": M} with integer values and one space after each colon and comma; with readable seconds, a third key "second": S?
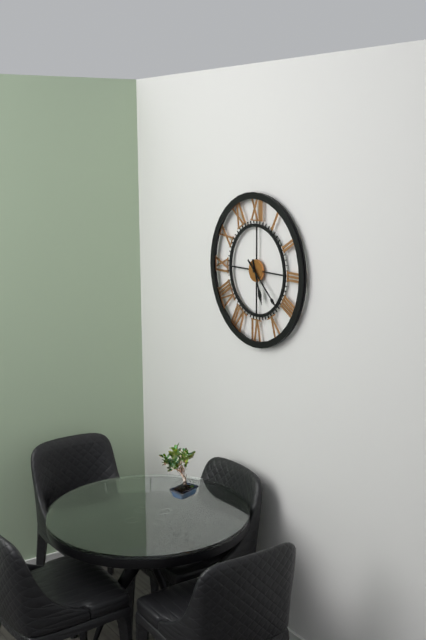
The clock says {"hour": 5, "minute": 22}
